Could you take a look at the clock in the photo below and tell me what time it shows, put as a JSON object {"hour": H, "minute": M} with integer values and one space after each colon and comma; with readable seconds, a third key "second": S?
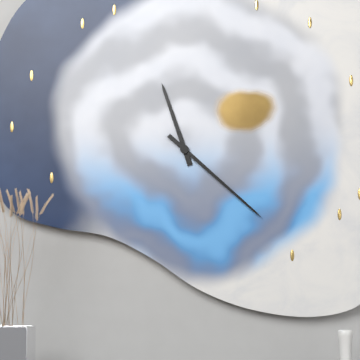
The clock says {"hour": 11, "minute": 22}
